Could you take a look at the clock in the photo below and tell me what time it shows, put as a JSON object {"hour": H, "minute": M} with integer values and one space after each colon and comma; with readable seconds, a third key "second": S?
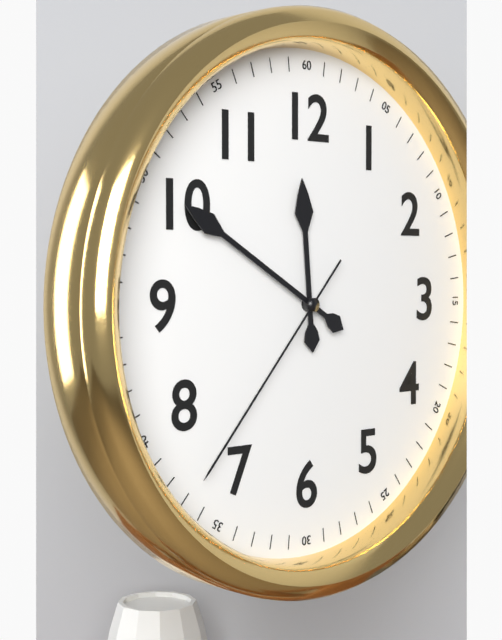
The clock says {"hour": 11, "minute": 50, "second": 37}
